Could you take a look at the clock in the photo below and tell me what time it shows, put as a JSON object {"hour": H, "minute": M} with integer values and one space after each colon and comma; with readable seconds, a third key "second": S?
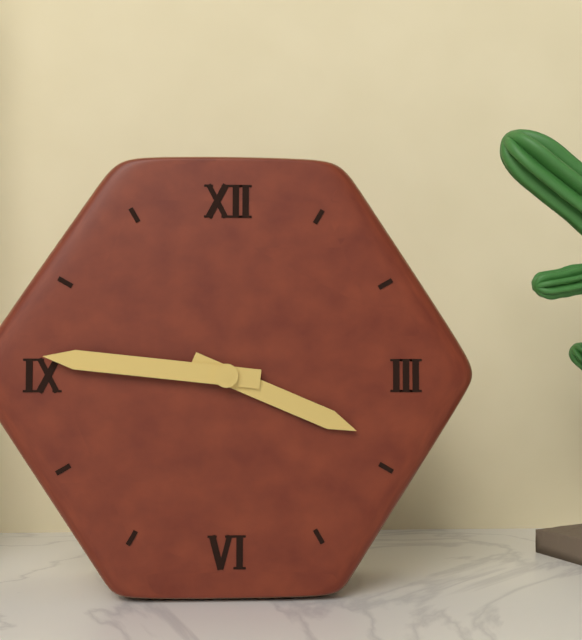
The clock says {"hour": 3, "minute": 46}
